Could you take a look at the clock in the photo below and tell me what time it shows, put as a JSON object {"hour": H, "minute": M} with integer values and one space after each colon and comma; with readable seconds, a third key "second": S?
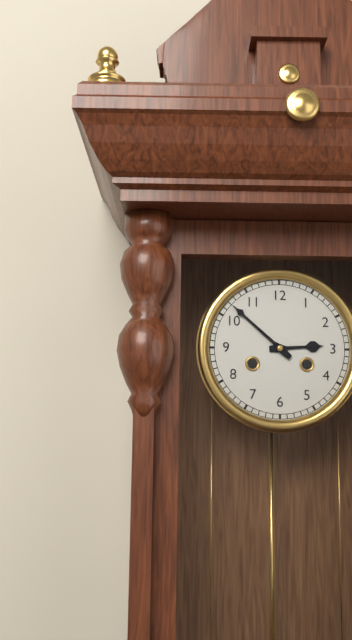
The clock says {"hour": 2, "minute": 52}
